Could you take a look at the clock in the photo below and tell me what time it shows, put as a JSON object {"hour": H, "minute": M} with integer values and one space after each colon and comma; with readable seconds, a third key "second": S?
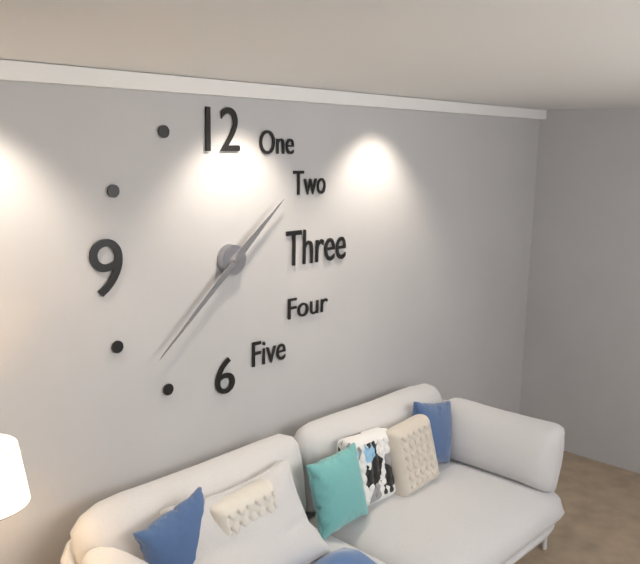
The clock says {"hour": 1, "minute": 38}
